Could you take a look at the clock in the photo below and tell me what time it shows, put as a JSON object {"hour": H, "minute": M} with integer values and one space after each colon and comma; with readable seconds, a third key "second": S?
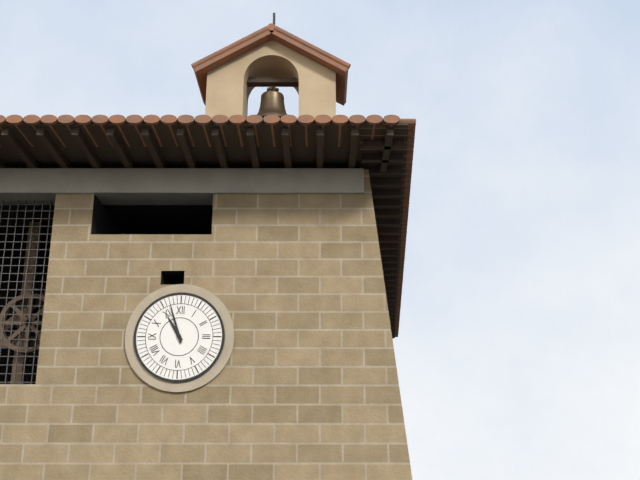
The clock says {"hour": 10, "minute": 57}
